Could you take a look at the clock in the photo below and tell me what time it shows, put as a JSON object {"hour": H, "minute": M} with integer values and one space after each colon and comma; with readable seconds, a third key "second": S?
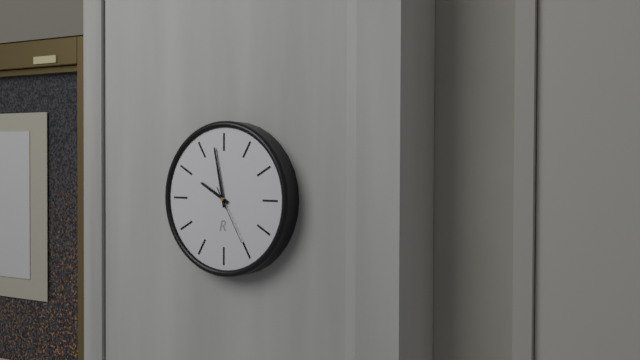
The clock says {"hour": 9, "minute": 58, "second": 25}
